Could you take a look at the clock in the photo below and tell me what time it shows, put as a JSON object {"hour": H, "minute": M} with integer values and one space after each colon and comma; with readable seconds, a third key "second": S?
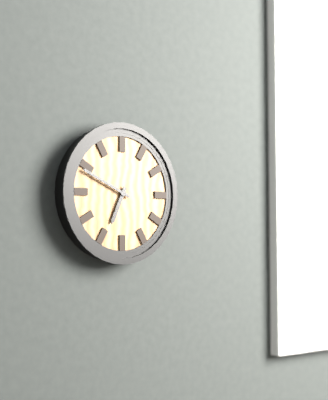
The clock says {"hour": 6, "minute": 49}
